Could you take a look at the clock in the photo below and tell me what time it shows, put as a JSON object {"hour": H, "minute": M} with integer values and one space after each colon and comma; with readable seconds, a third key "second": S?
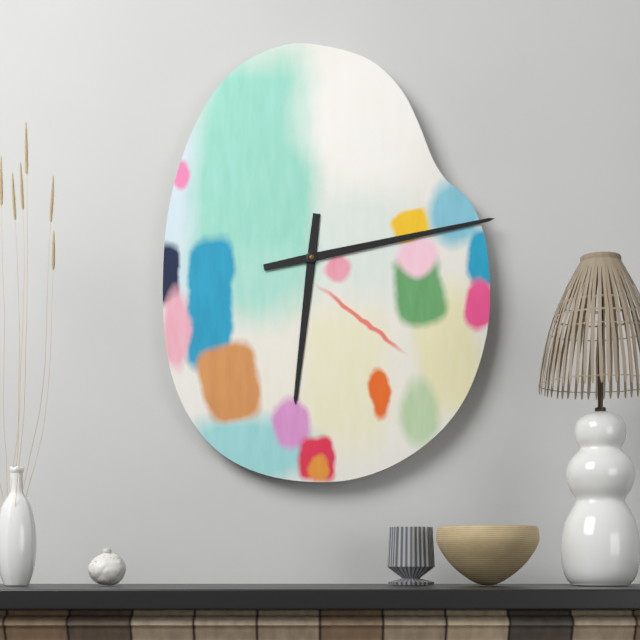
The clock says {"hour": 6, "minute": 13}
